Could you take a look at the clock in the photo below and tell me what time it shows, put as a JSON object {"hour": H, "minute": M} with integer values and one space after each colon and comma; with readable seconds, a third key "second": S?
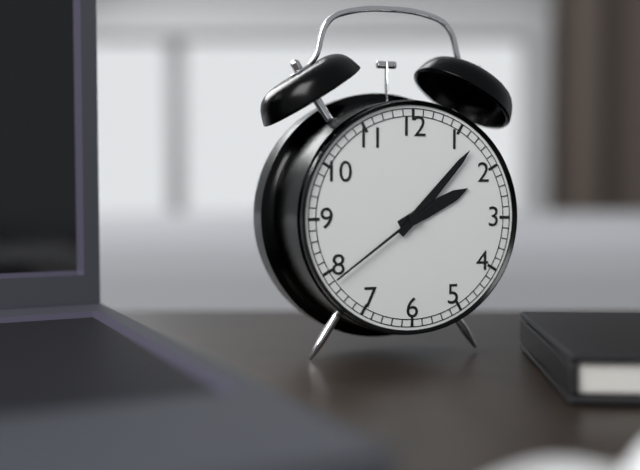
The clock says {"hour": 2, "minute": 7, "second": 39}
